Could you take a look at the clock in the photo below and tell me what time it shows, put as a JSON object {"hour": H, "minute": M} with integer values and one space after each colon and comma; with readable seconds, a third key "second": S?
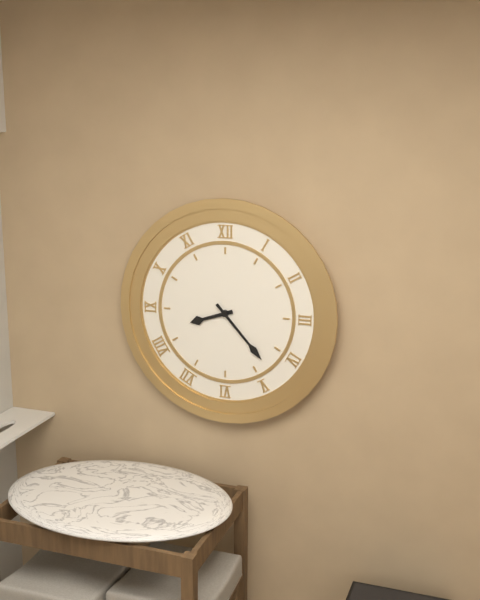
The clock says {"hour": 8, "minute": 23}
